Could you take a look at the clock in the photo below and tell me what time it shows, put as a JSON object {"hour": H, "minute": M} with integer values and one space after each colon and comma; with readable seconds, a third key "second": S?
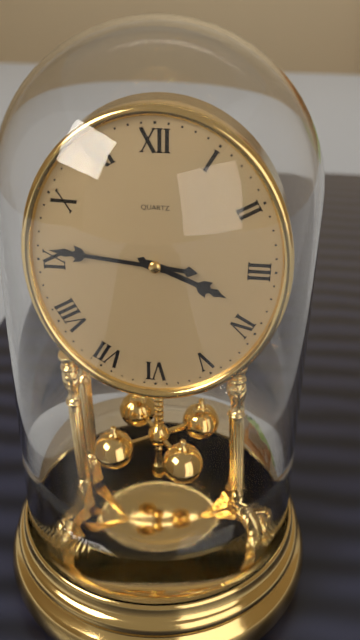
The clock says {"hour": 3, "minute": 46}
